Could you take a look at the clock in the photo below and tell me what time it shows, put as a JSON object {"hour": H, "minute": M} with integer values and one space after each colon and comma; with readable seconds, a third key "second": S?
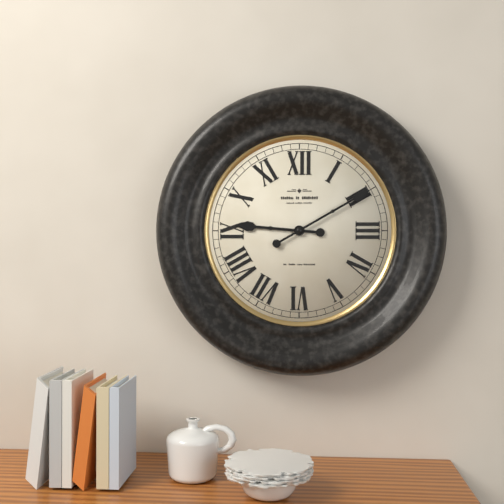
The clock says {"hour": 9, "minute": 10}
